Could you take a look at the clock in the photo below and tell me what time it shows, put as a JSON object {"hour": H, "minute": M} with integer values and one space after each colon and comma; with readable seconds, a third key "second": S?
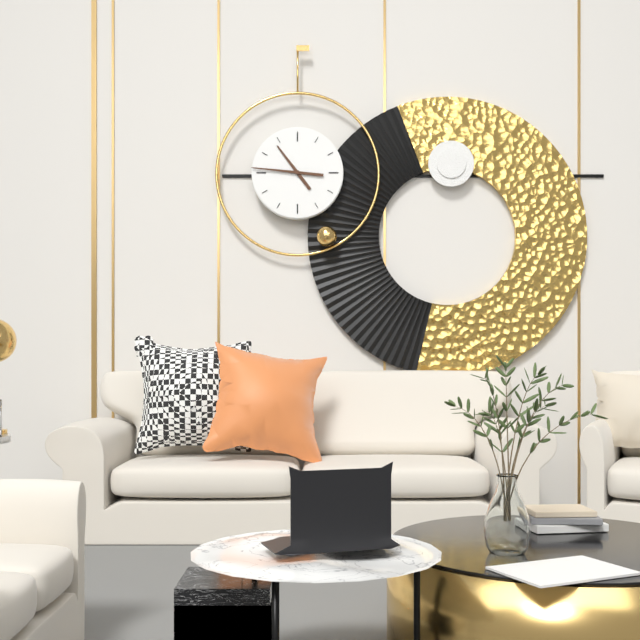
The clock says {"hour": 10, "minute": 46}
